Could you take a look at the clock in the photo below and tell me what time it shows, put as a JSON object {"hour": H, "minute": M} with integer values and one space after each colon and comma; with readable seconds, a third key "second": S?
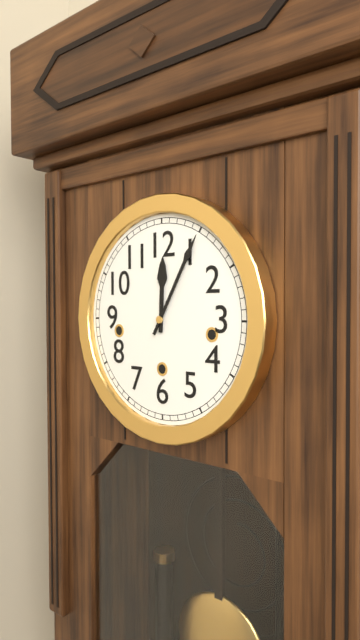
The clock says {"hour": 12, "minute": 5}
